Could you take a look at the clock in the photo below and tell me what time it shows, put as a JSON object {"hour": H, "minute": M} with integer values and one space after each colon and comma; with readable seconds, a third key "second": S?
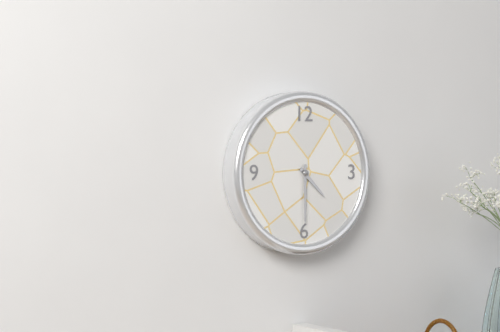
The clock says {"hour": 4, "minute": 30}
